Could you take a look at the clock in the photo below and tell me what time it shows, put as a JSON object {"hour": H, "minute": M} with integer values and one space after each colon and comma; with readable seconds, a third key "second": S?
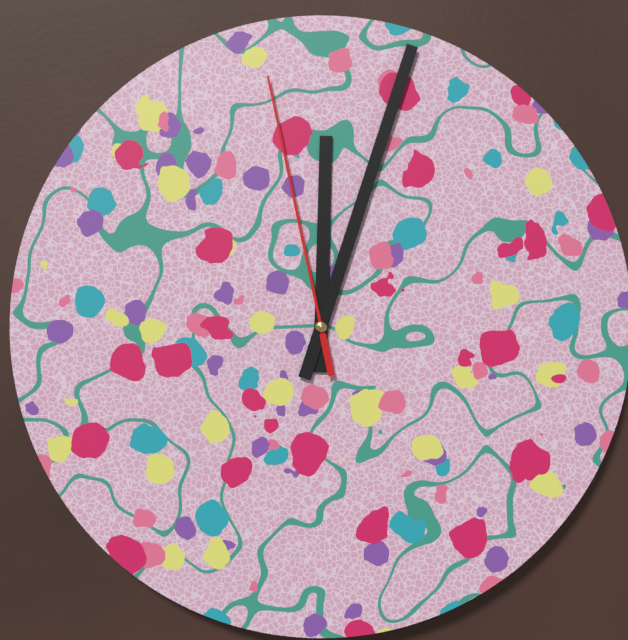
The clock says {"hour": 12, "minute": 3, "second": 58}
